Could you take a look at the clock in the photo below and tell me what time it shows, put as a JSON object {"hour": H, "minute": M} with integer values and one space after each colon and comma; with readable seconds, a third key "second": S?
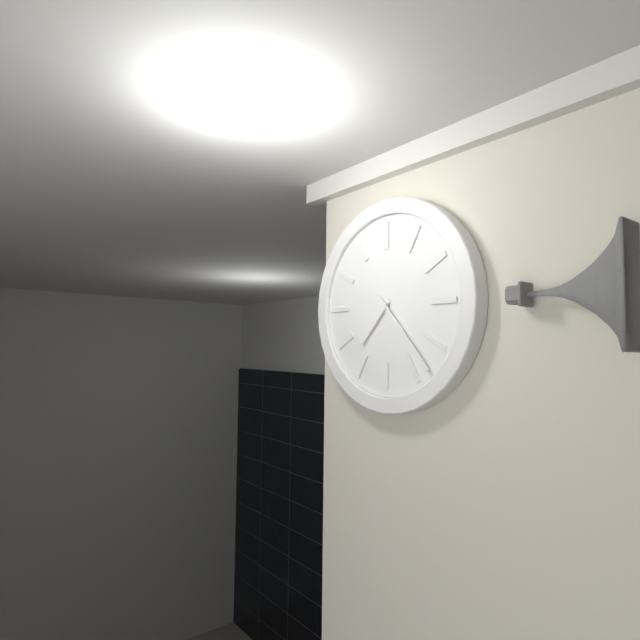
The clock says {"hour": 7, "minute": 23}
